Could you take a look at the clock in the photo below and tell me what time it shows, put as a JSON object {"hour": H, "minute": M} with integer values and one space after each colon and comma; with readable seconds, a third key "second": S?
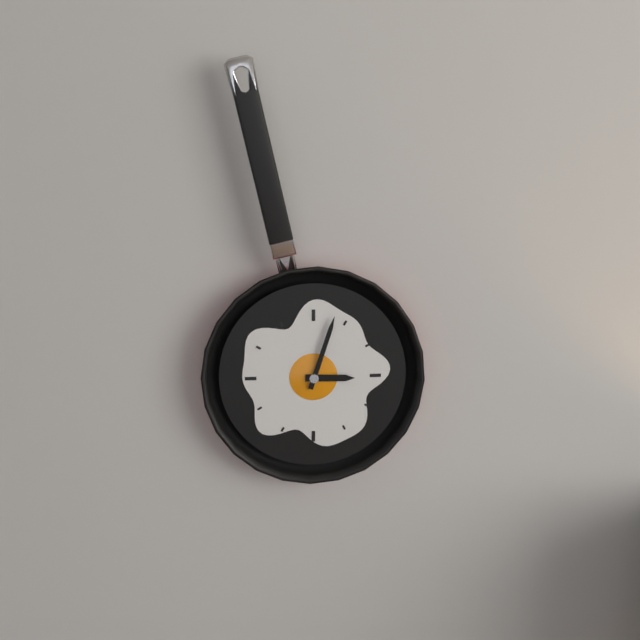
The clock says {"hour": 3, "minute": 3}
